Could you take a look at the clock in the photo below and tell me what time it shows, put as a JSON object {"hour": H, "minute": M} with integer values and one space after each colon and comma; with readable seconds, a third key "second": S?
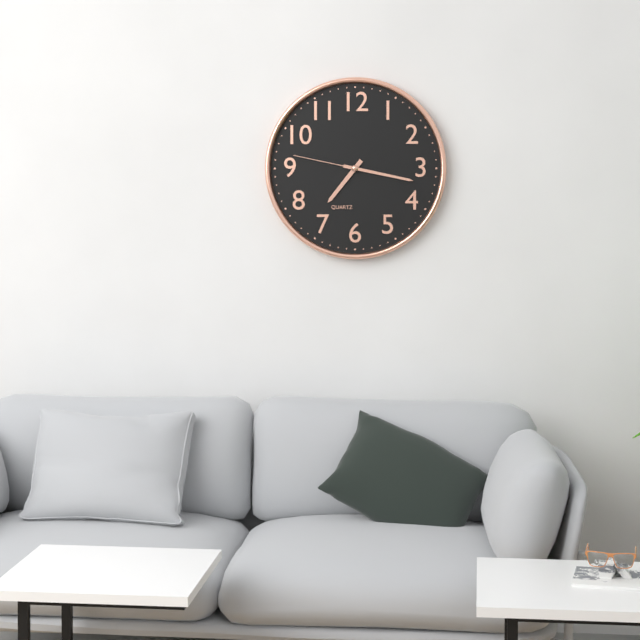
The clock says {"hour": 7, "minute": 17, "second": 47}
